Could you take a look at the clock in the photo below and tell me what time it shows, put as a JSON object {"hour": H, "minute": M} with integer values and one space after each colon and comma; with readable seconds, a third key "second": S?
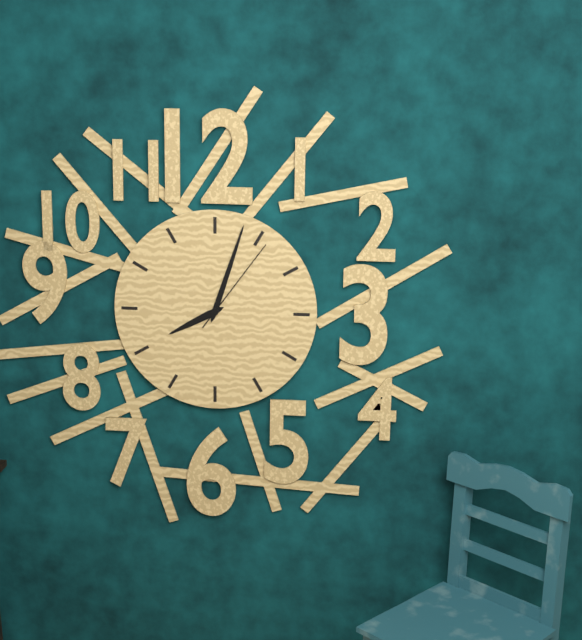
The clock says {"hour": 8, "minute": 3, "second": 6}
